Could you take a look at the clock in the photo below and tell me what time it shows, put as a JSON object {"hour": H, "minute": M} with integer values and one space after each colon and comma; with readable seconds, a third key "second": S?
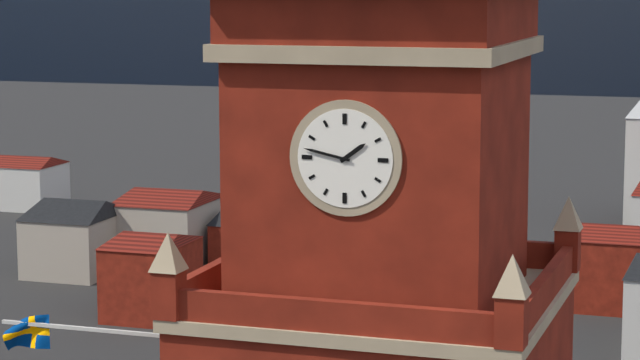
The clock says {"hour": 1, "minute": 47}
